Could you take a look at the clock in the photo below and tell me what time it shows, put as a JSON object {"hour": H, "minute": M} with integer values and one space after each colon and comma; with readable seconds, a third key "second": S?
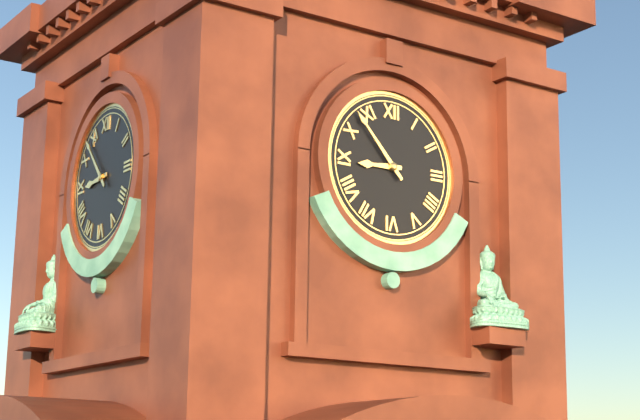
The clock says {"hour": 8, "minute": 53}
